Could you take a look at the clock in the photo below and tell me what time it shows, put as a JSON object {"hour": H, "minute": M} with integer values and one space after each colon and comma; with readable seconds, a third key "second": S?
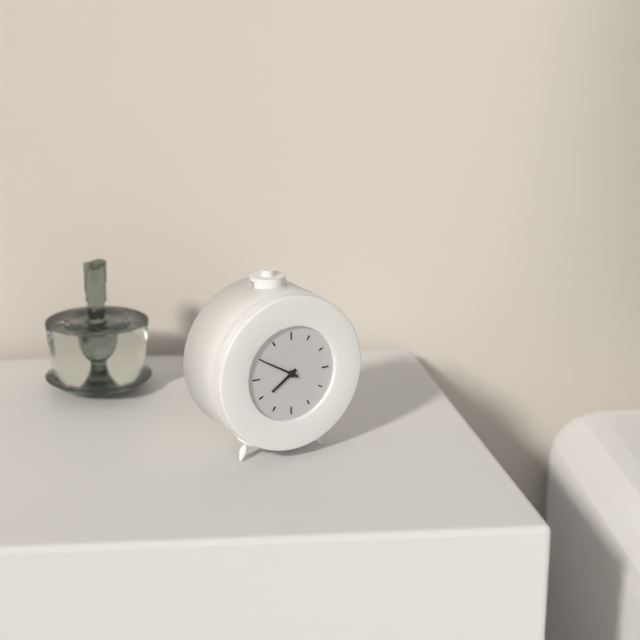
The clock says {"hour": 7, "minute": 50}
